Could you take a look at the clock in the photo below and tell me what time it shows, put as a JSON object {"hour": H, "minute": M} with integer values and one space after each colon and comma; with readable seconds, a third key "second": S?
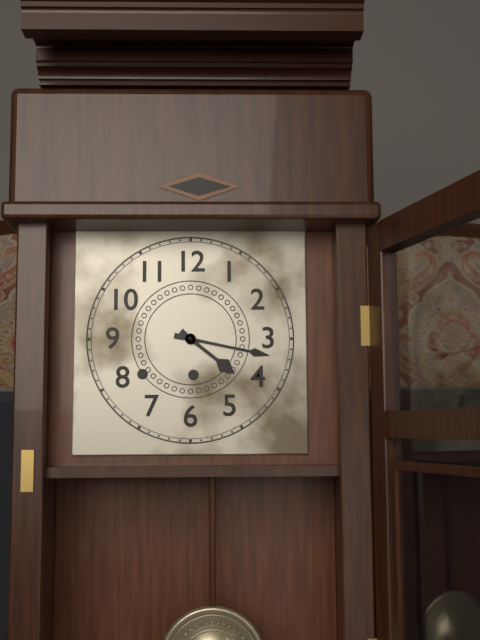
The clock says {"hour": 4, "minute": 17}
